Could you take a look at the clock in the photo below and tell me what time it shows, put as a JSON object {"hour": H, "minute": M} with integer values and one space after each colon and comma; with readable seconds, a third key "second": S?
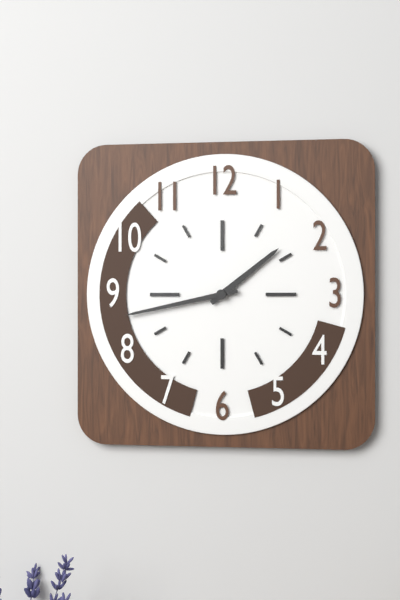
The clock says {"hour": 1, "minute": 43}
